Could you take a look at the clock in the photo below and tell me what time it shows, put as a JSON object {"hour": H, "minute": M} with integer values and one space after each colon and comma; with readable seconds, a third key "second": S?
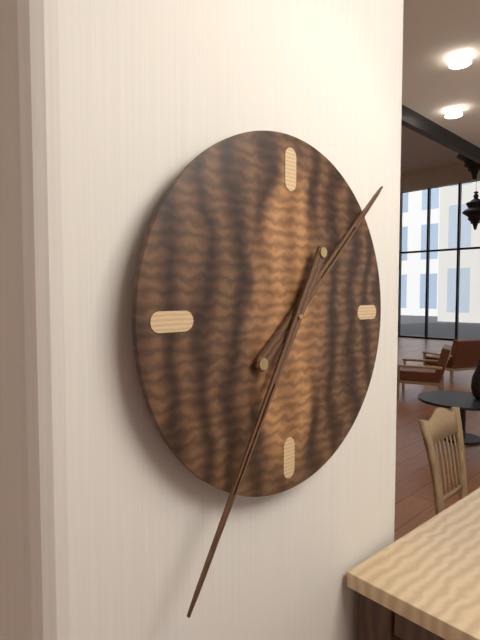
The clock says {"hour": 1, "minute": 35}
